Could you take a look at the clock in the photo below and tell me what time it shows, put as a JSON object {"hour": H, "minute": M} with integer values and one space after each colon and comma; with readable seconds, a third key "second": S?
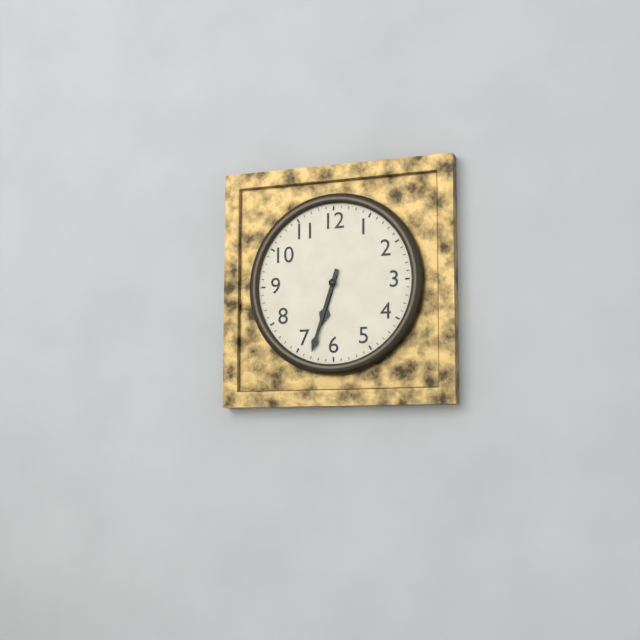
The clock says {"hour": 6, "minute": 33}
